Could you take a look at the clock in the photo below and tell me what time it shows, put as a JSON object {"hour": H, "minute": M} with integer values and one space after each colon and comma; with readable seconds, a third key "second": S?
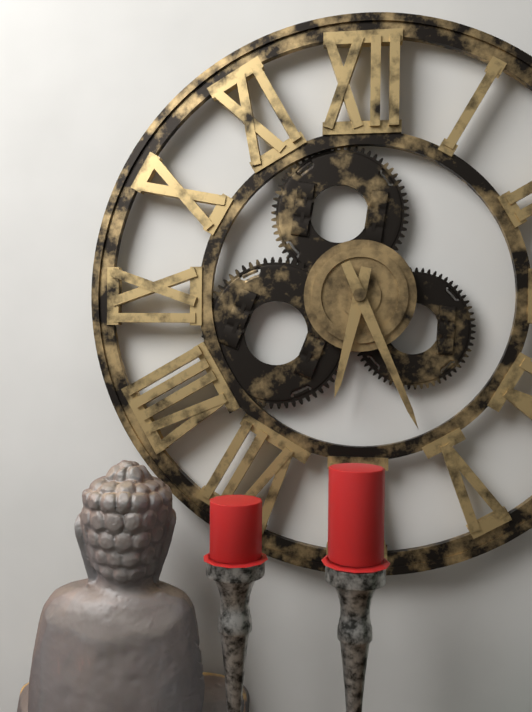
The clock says {"hour": 6, "minute": 26}
